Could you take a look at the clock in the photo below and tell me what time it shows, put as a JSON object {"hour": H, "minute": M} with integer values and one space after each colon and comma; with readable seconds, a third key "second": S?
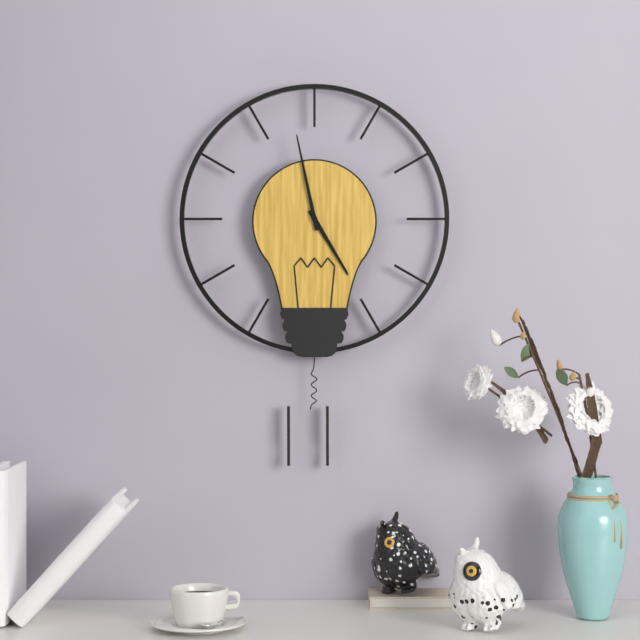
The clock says {"hour": 4, "minute": 58}
